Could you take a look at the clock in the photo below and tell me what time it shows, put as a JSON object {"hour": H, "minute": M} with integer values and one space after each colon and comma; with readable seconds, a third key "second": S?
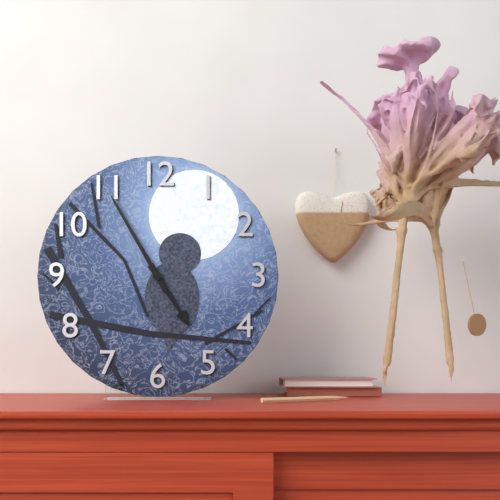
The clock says {"hour": 4, "minute": 55}
